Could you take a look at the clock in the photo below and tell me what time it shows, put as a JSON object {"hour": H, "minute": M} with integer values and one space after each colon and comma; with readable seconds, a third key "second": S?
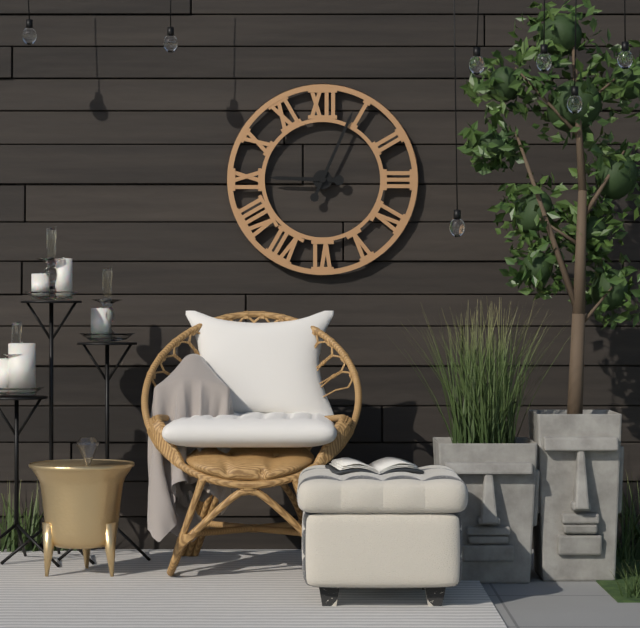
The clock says {"hour": 9, "minute": 4}
